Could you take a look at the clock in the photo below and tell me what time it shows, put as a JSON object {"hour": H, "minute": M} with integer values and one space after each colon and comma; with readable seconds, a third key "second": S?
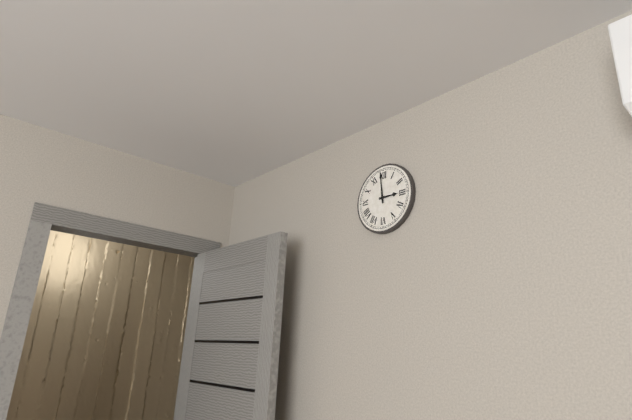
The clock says {"hour": 2, "minute": 59}
